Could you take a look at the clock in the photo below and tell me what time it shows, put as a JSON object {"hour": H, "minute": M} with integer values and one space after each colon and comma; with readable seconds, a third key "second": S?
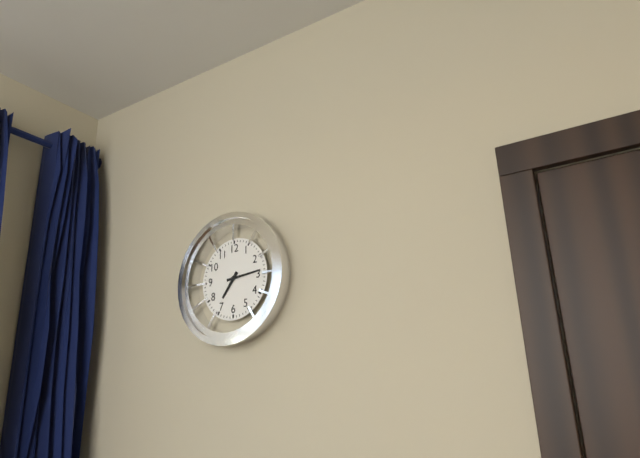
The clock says {"hour": 7, "minute": 14}
